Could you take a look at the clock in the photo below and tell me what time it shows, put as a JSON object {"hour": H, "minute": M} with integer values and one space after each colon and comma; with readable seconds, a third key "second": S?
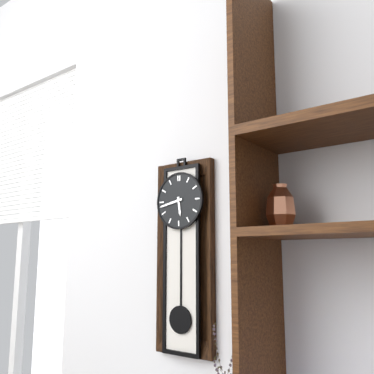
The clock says {"hour": 5, "minute": 43}
